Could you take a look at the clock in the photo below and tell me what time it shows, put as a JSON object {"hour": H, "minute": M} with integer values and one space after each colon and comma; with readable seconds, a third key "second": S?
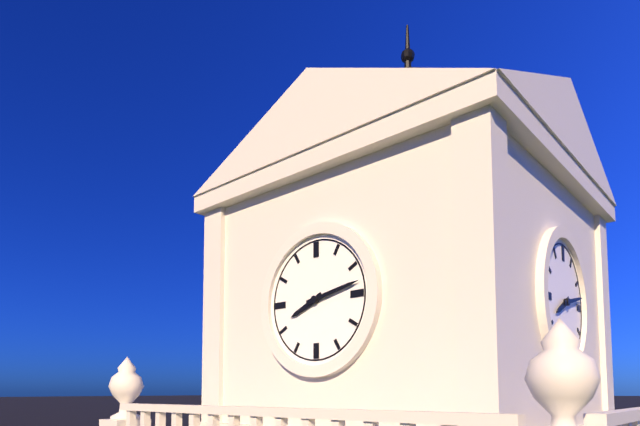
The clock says {"hour": 8, "minute": 13}
